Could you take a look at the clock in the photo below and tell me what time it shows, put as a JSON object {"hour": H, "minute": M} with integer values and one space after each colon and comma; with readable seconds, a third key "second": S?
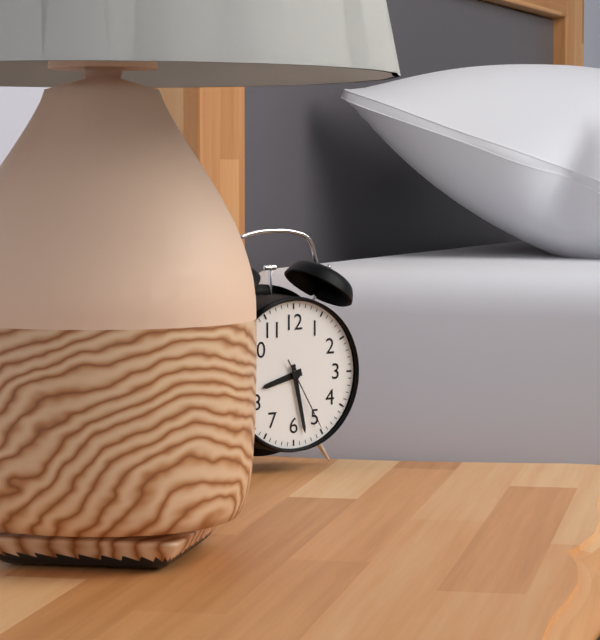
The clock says {"hour": 8, "minute": 28, "second": 25}
